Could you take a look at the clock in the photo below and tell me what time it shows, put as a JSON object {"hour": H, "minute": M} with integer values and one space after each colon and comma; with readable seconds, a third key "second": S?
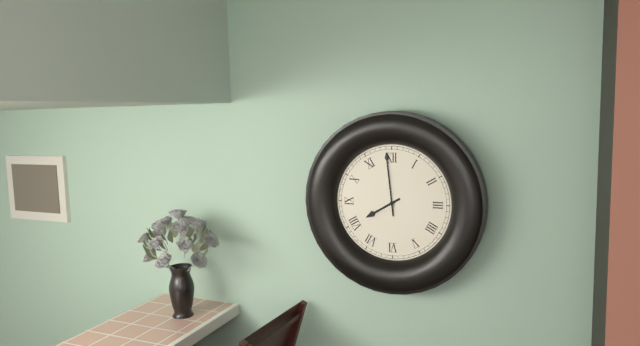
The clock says {"hour": 7, "minute": 59}
